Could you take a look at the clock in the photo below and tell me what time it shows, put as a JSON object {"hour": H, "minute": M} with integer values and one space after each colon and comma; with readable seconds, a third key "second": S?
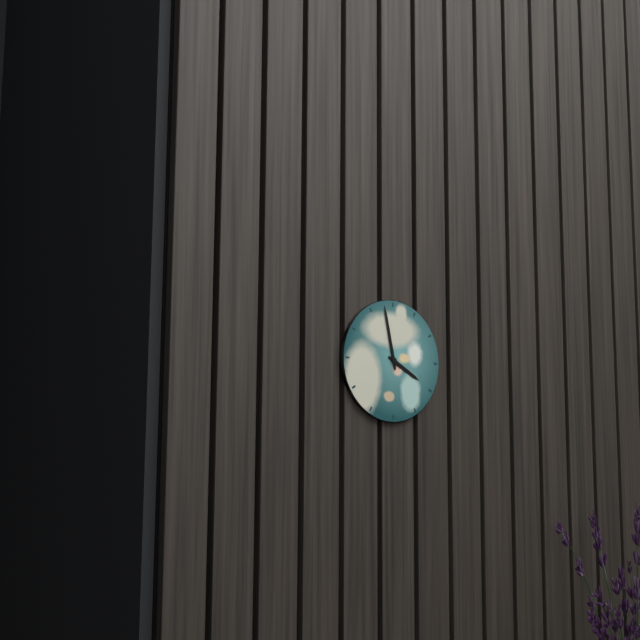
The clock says {"hour": 3, "minute": 58}
